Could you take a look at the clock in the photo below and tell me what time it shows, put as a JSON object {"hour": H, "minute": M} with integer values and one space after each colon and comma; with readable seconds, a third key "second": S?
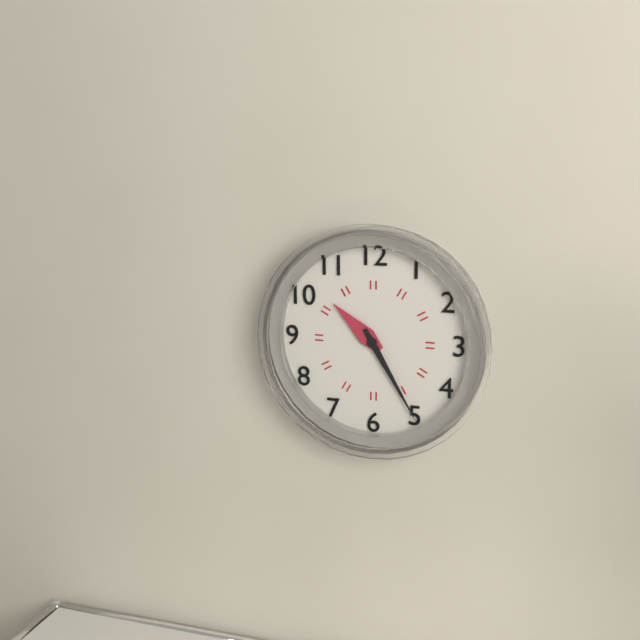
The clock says {"hour": 10, "minute": 25}
